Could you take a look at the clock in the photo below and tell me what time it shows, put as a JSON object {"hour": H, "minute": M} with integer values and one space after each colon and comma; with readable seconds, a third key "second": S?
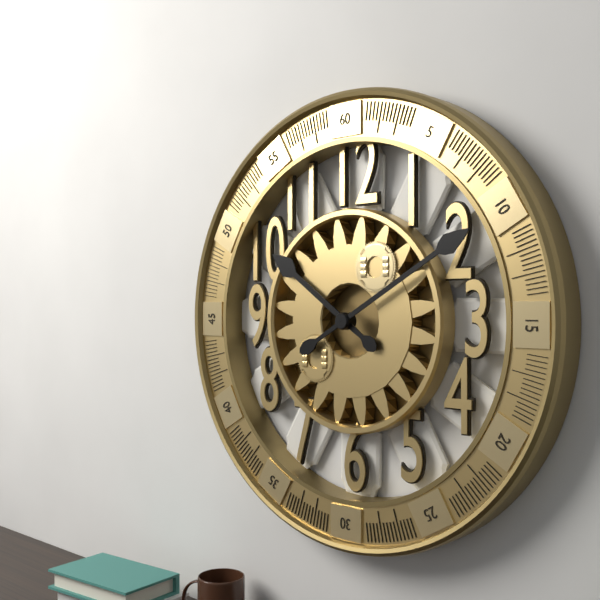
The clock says {"hour": 10, "minute": 10}
